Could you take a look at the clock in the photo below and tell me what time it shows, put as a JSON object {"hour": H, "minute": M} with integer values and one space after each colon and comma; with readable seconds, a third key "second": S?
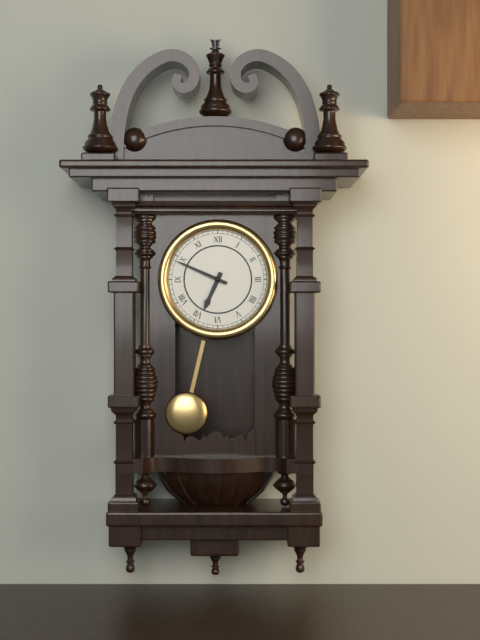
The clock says {"hour": 6, "minute": 49}
